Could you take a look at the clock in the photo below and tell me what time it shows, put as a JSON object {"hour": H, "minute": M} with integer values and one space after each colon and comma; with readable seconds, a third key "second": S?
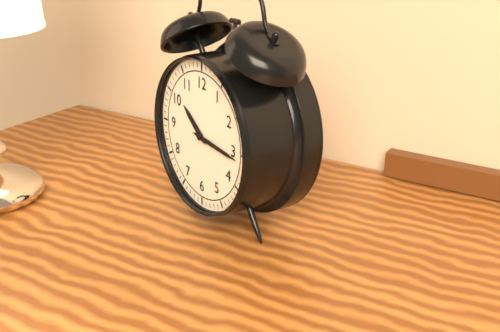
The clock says {"hour": 10, "minute": 16}
